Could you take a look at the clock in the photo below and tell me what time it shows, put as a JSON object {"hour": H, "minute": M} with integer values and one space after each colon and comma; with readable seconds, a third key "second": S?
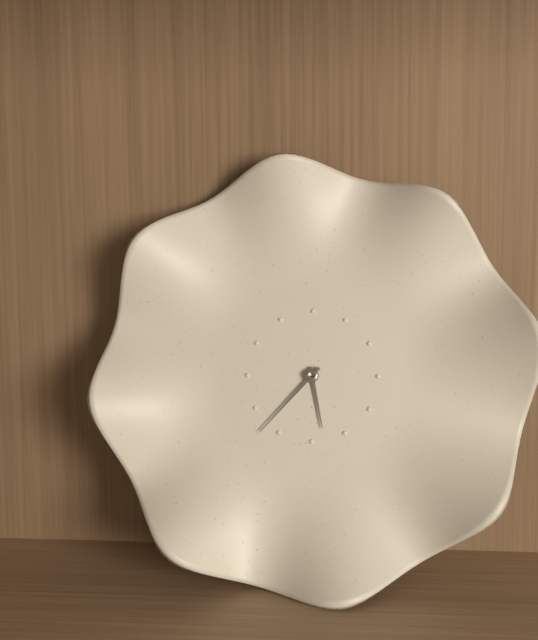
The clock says {"hour": 5, "minute": 37}
